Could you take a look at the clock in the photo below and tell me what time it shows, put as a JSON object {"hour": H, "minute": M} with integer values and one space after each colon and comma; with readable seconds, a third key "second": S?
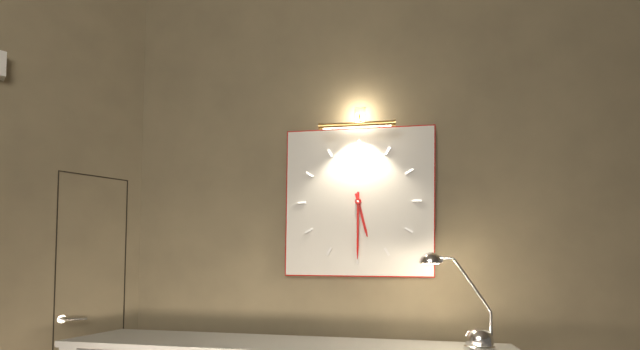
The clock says {"hour": 5, "minute": 30}
